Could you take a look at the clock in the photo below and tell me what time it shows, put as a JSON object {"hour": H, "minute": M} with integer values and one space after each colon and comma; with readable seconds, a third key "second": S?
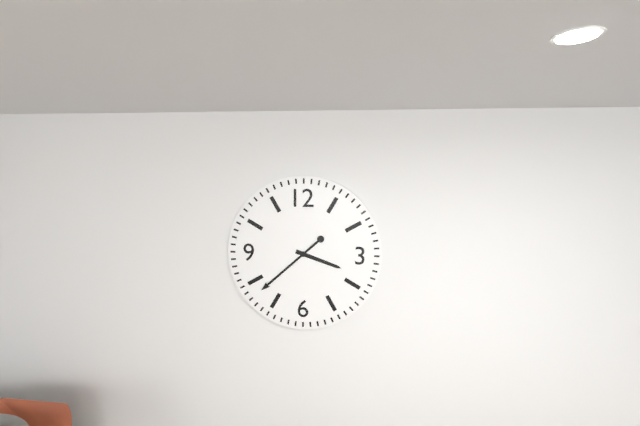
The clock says {"hour": 3, "minute": 38}
